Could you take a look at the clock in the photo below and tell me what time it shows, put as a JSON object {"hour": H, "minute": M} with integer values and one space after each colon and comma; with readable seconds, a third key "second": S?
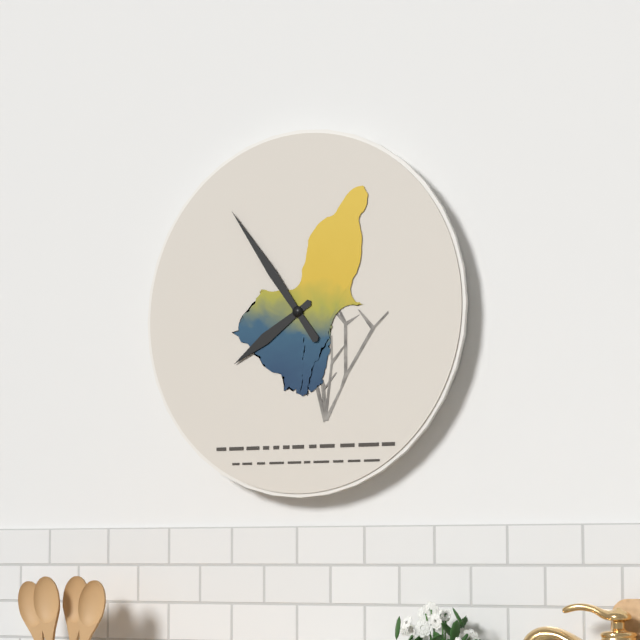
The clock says {"hour": 7, "minute": 54}
